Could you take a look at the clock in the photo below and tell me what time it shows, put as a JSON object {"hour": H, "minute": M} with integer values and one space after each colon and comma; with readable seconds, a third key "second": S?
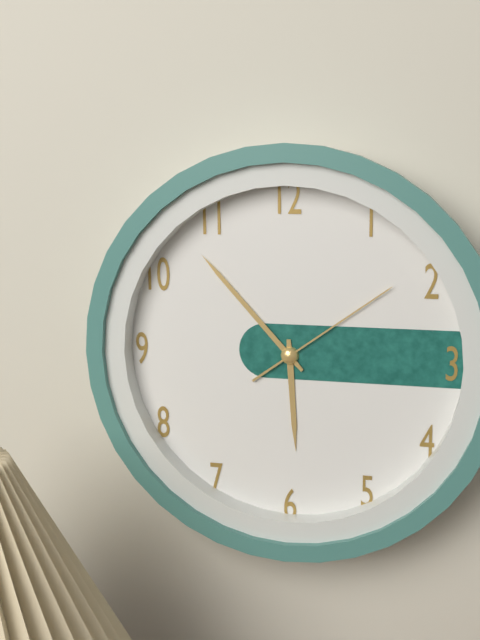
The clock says {"hour": 5, "minute": 53, "second": 9}
